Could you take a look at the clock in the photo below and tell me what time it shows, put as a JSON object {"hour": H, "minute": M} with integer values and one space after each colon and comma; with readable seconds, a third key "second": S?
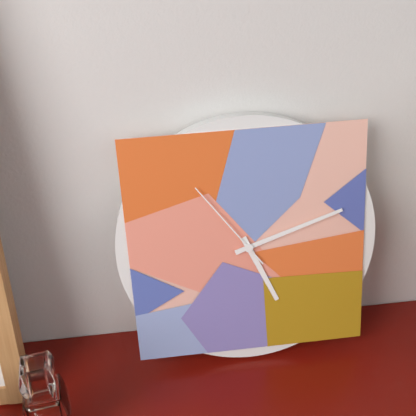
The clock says {"hour": 5, "minute": 12, "second": 54}
